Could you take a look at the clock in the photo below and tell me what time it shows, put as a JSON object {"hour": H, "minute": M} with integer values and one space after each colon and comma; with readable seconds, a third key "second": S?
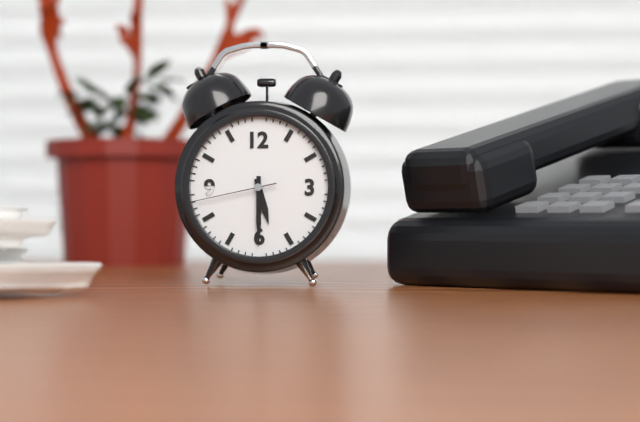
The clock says {"hour": 5, "minute": 30, "second": 43}
